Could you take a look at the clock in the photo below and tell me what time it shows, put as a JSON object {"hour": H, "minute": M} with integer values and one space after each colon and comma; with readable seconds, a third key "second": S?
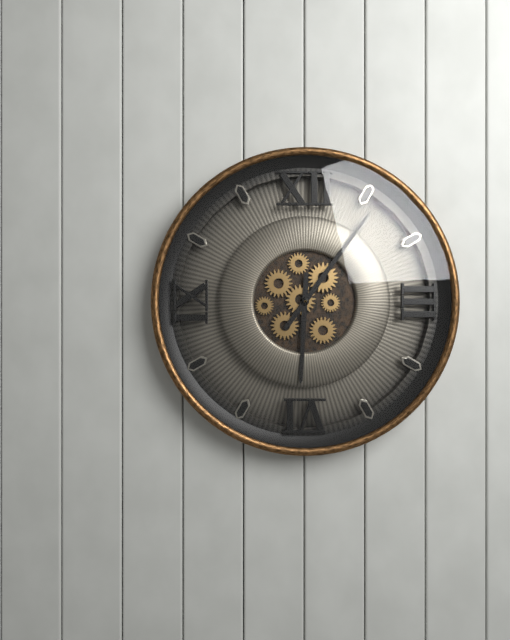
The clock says {"hour": 6, "minute": 6}
